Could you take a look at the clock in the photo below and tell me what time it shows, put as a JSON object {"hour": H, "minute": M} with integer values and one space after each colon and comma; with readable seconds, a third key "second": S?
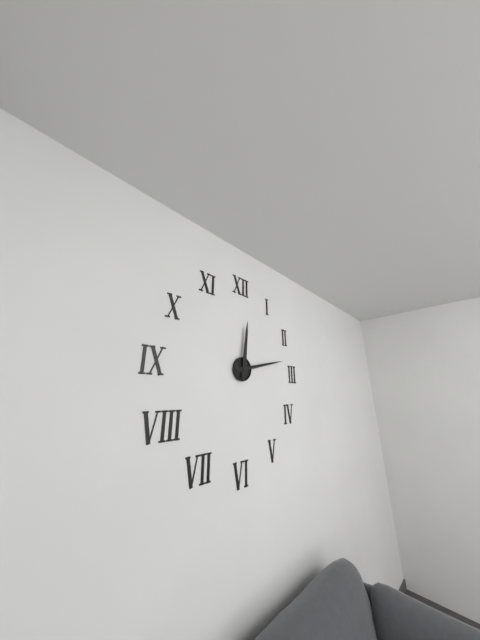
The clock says {"hour": 12, "minute": 13}
